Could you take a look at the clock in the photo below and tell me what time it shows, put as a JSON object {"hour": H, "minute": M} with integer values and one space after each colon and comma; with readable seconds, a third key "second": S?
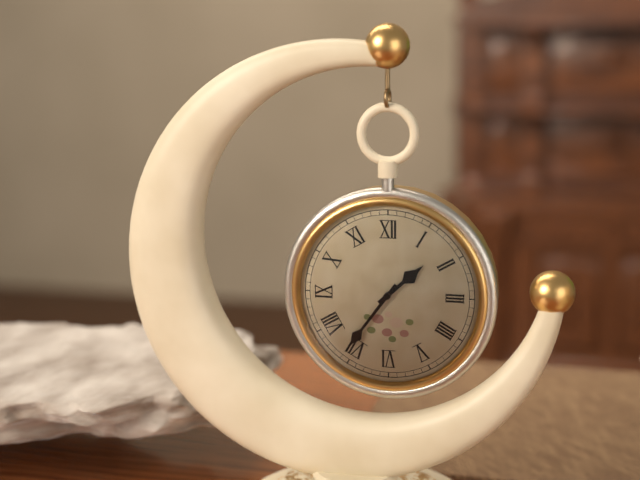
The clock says {"hour": 1, "minute": 36}
